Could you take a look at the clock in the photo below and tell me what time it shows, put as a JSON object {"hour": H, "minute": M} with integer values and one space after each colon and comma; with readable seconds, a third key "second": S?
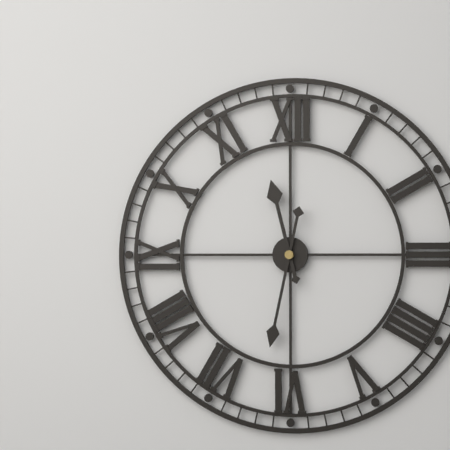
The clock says {"hour": 11, "minute": 32}
